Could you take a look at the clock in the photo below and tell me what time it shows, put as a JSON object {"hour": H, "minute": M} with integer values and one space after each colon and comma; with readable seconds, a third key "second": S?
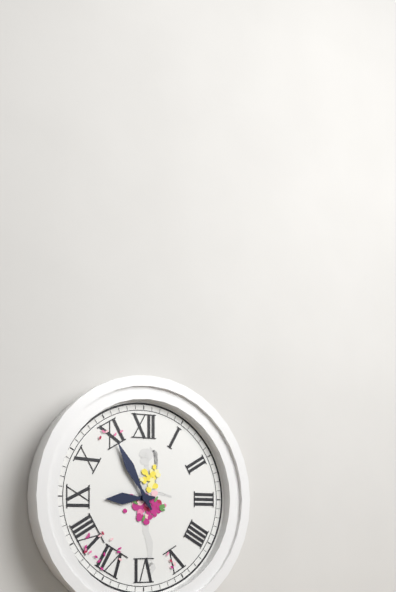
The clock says {"hour": 8, "minute": 55}
